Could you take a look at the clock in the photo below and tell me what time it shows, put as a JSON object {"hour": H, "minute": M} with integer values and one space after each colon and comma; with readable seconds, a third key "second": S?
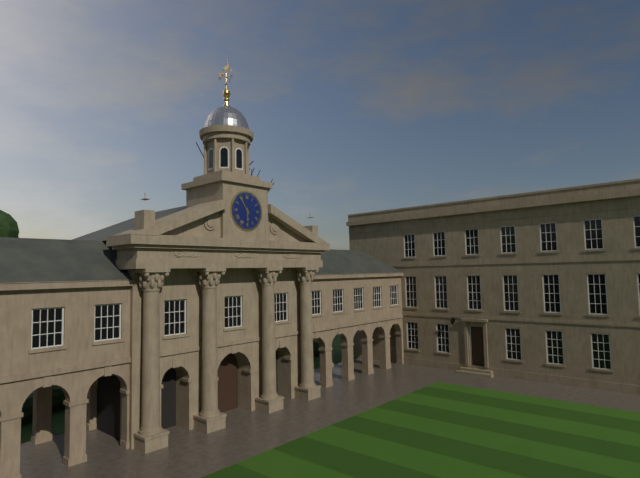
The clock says {"hour": 5, "minute": 54}
